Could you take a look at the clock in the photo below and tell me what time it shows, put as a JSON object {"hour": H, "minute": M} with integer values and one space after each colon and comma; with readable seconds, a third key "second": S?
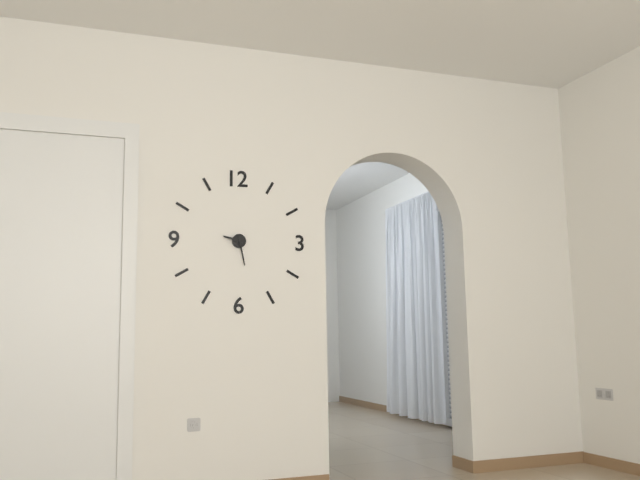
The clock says {"hour": 9, "minute": 28}
